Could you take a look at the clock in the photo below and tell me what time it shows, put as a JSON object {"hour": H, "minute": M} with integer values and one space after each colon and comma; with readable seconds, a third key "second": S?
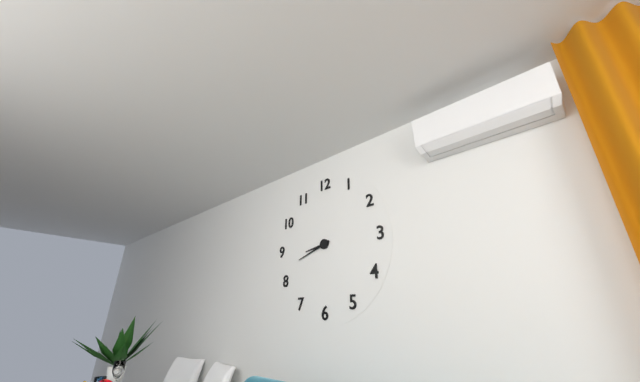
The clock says {"hour": 8, "minute": 42}
